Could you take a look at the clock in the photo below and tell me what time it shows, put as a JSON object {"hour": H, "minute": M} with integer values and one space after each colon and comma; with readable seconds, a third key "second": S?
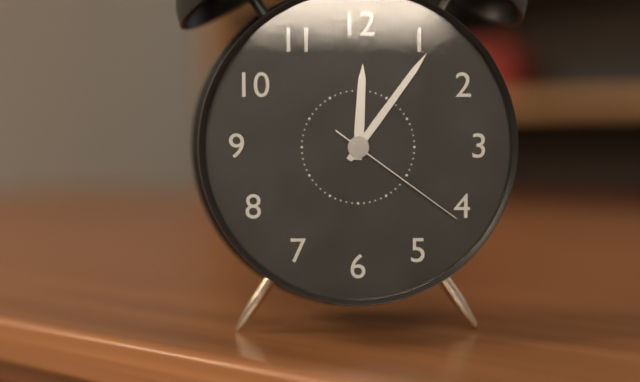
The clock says {"hour": 12, "minute": 6, "second": 21}
